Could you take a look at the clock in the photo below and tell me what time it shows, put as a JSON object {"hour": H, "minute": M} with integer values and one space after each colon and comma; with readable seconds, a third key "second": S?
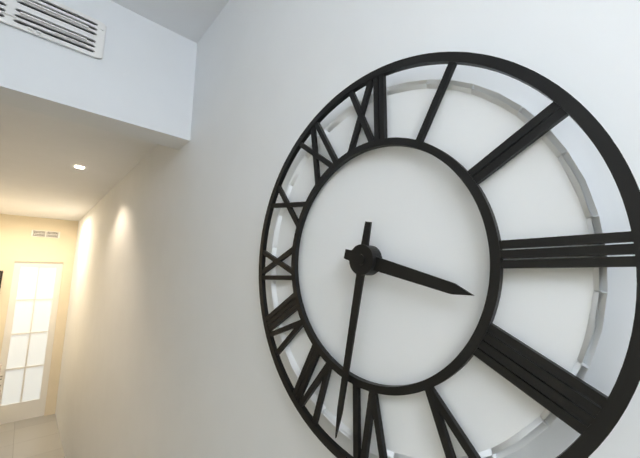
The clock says {"hour": 3, "minute": 32}
